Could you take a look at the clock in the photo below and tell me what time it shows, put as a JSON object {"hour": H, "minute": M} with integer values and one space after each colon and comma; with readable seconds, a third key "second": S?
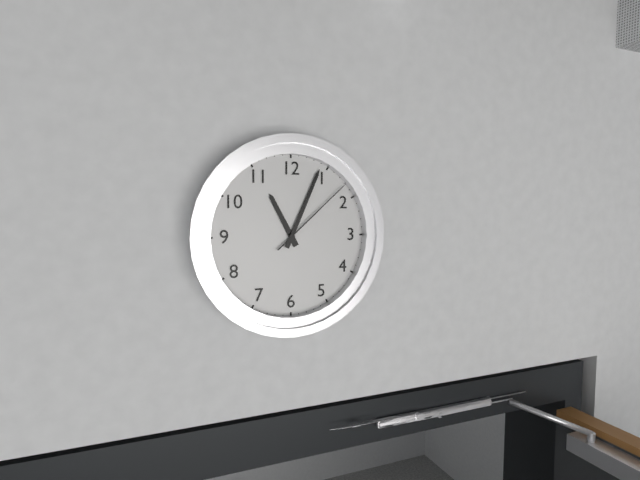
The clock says {"hour": 11, "minute": 4, "second": 8}
